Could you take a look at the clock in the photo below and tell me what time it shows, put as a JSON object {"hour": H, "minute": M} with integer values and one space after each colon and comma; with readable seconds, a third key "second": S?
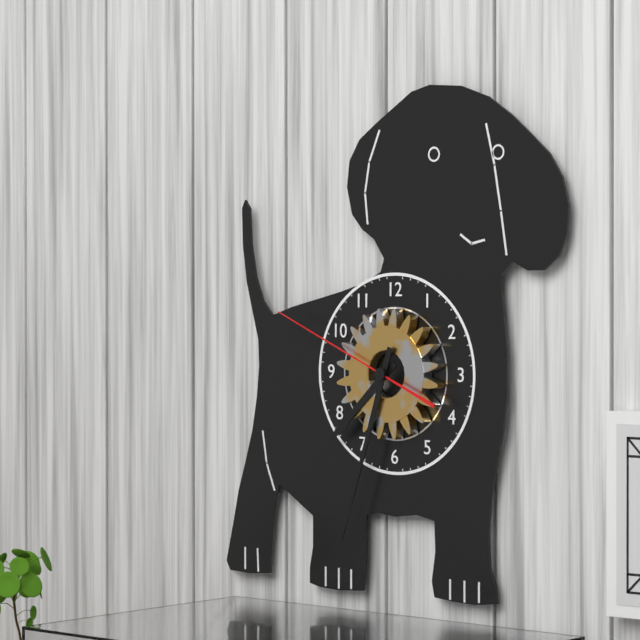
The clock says {"hour": 7, "minute": 33, "second": 49}
